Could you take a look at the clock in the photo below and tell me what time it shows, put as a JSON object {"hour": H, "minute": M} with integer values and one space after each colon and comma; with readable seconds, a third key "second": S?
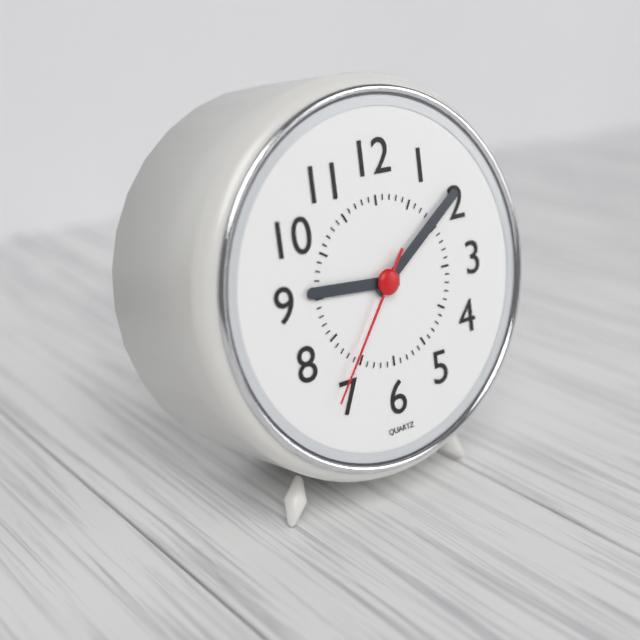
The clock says {"hour": 9, "minute": 9, "second": 36}
